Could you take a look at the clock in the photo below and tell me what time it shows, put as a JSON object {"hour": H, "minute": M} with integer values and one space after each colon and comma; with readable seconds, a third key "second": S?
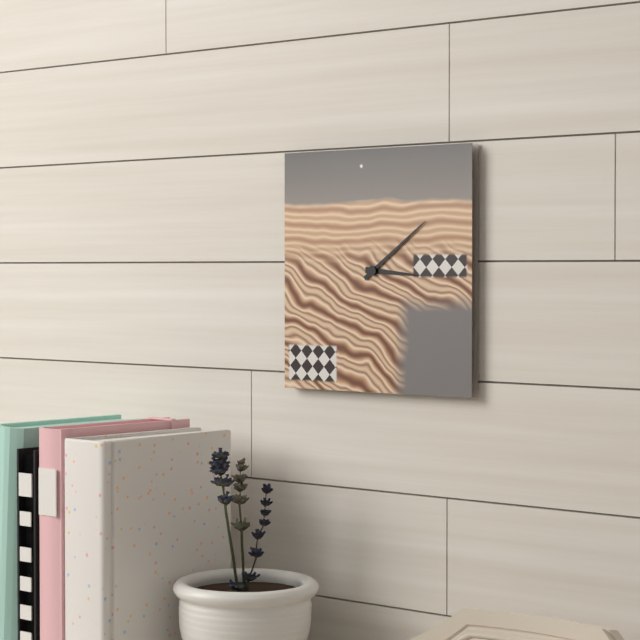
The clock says {"hour": 3, "minute": 9}
